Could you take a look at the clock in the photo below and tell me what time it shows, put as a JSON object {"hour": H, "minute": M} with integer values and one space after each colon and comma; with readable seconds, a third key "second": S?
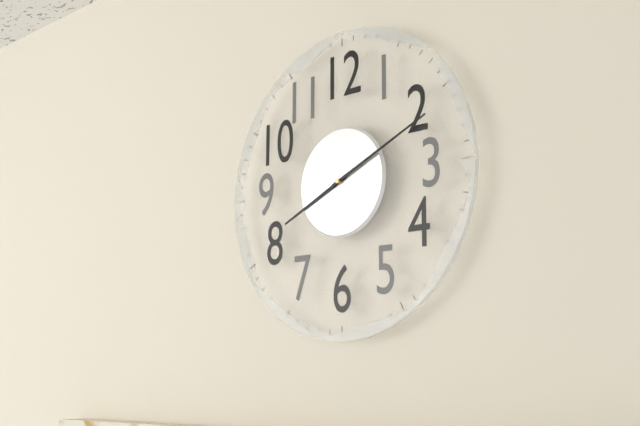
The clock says {"hour": 8, "minute": 11}
